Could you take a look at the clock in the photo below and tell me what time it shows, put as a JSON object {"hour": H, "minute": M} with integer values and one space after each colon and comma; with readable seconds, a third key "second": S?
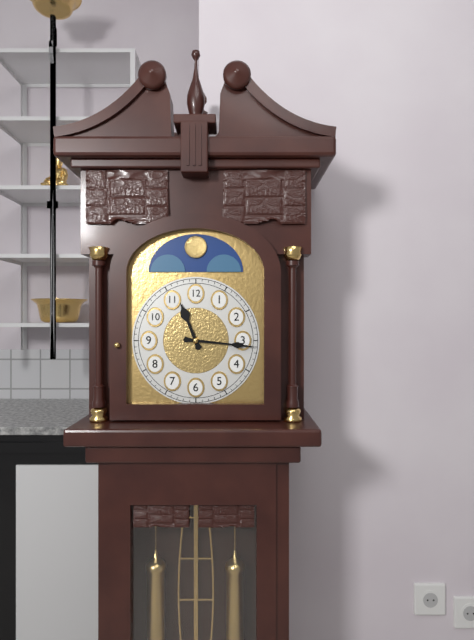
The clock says {"hour": 11, "minute": 16}
